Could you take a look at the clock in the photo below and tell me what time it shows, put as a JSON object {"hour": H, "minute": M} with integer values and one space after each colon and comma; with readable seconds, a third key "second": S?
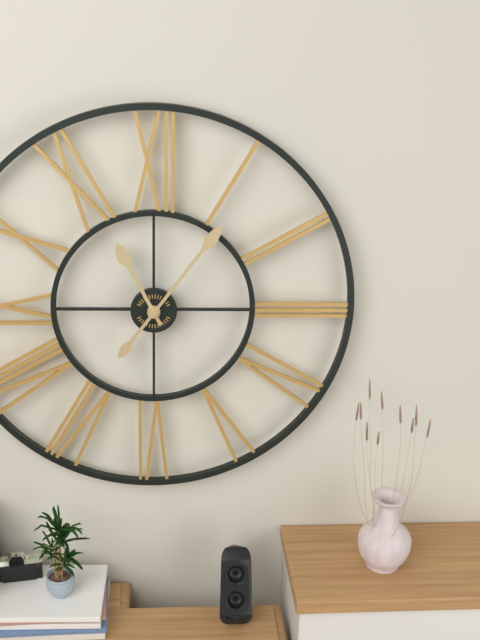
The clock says {"hour": 11, "minute": 6}
